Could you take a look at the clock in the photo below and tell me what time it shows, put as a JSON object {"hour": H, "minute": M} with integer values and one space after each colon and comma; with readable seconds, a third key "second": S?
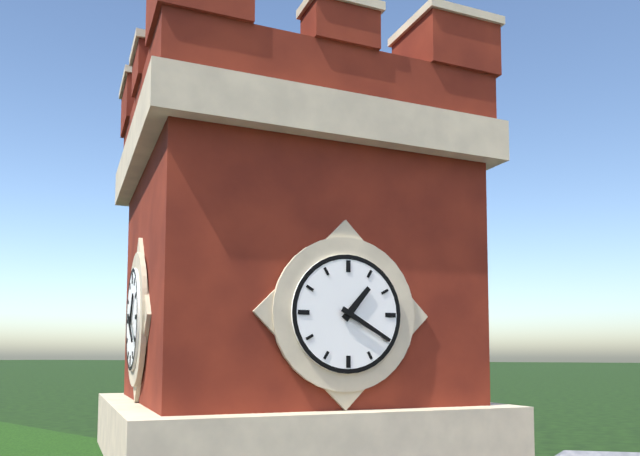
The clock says {"hour": 1, "minute": 20}
